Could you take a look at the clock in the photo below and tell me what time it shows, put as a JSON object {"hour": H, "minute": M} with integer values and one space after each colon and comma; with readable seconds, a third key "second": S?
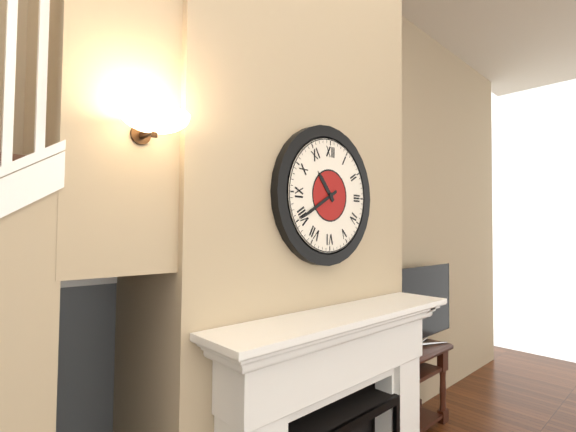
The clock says {"hour": 10, "minute": 40}
